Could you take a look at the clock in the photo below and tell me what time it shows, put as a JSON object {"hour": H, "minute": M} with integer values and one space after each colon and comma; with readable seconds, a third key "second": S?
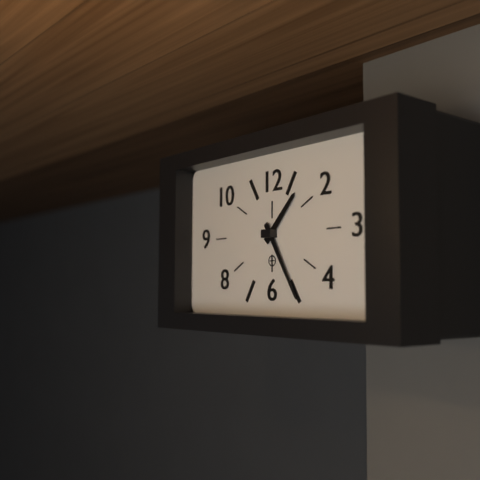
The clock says {"hour": 1, "minute": 25}
